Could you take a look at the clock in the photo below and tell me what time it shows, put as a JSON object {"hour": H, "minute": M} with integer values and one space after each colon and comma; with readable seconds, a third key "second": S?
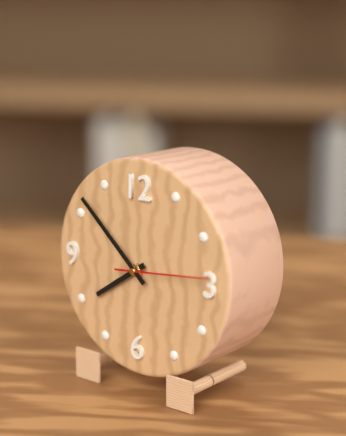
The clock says {"hour": 7, "minute": 52, "second": 14}
